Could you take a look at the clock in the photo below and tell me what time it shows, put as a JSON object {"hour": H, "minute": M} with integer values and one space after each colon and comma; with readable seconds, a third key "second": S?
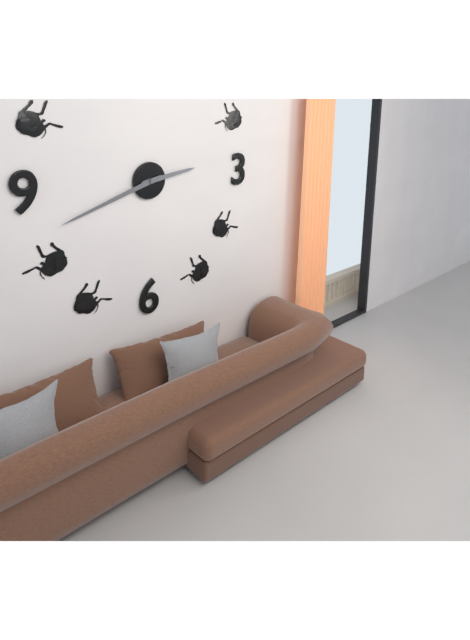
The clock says {"hour": 2, "minute": 42}
